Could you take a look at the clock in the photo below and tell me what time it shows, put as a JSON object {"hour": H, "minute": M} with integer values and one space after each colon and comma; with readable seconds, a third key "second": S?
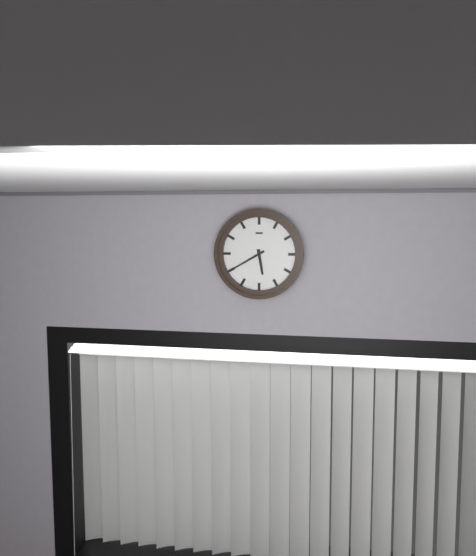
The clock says {"hour": 5, "minute": 40}
